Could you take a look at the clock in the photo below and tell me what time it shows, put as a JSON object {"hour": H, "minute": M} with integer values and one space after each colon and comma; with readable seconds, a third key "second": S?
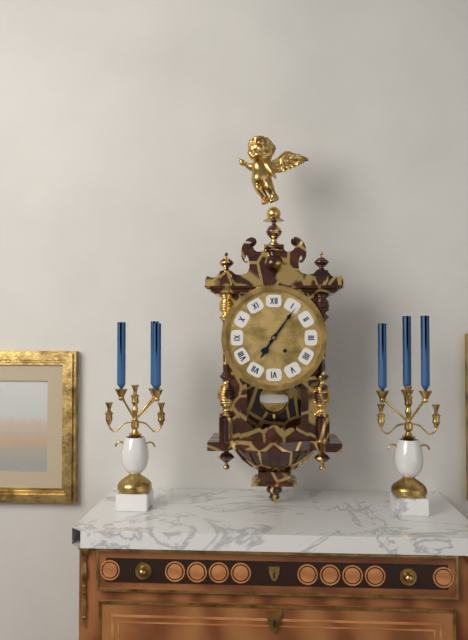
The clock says {"hour": 7, "minute": 6}
